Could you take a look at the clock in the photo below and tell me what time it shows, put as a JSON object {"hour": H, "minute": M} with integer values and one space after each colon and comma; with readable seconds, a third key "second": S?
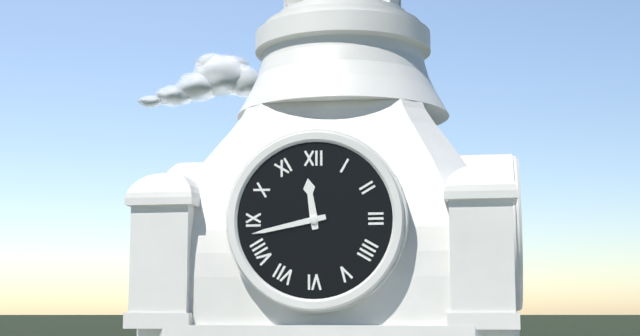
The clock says {"hour": 11, "minute": 43}
